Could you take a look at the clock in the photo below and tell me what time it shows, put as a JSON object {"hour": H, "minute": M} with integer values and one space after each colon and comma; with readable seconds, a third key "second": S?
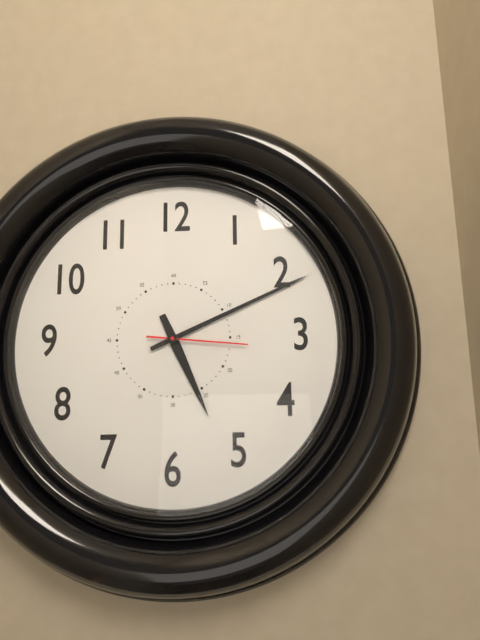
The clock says {"hour": 5, "minute": 11, "second": 16}
